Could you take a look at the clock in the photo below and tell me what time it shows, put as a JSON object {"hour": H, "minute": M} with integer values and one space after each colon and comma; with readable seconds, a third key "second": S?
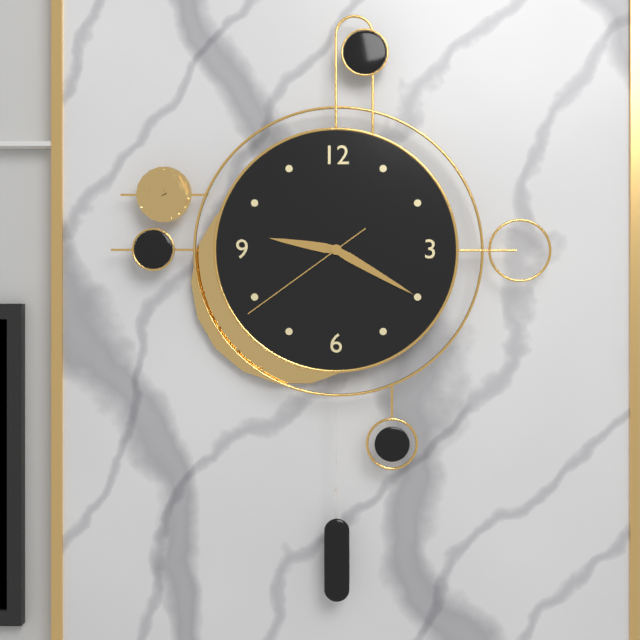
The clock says {"hour": 9, "minute": 20, "second": 39}
